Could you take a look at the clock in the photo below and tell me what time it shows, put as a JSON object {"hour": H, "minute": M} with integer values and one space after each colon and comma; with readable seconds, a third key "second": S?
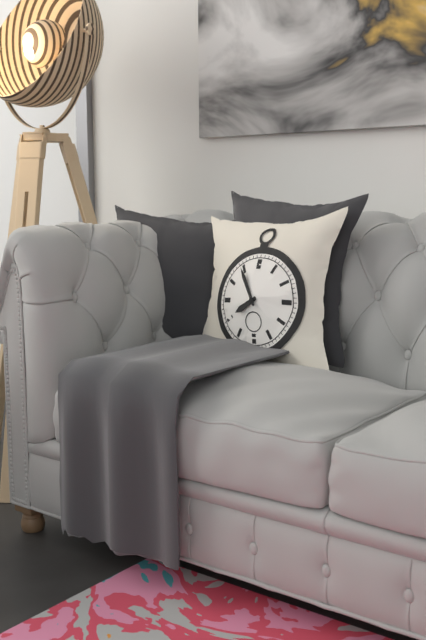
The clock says {"hour": 7, "minute": 55}
